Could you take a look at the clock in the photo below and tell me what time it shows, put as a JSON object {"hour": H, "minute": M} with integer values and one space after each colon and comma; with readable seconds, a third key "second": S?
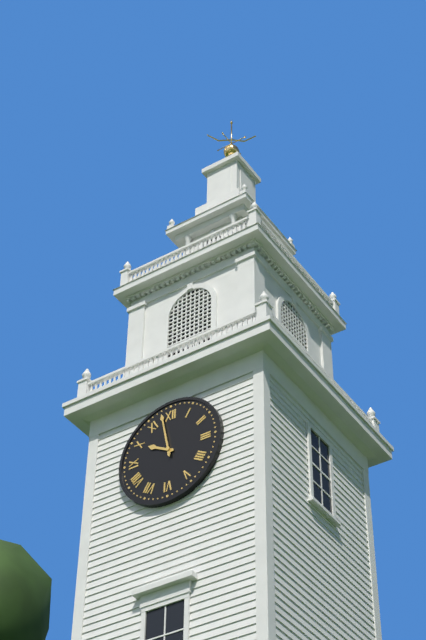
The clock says {"hour": 9, "minute": 58}
